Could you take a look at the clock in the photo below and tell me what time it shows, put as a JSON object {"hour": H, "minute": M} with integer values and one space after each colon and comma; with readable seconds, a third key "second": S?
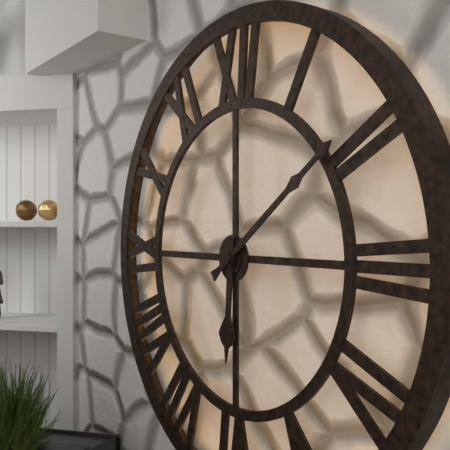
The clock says {"hour": 6, "minute": 9}
